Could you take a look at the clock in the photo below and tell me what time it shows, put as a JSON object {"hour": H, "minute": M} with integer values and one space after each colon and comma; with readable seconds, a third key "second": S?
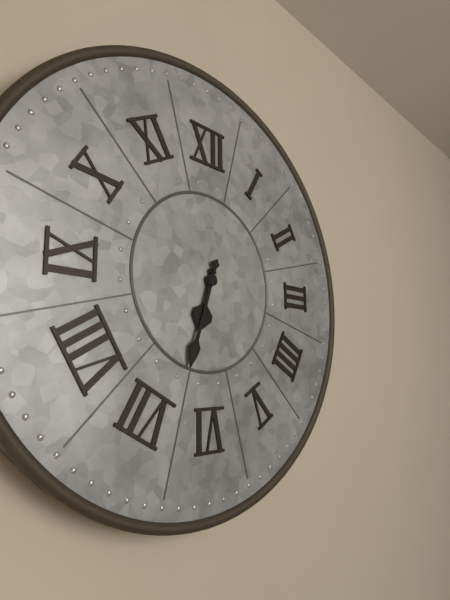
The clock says {"hour": 6, "minute": 33}
